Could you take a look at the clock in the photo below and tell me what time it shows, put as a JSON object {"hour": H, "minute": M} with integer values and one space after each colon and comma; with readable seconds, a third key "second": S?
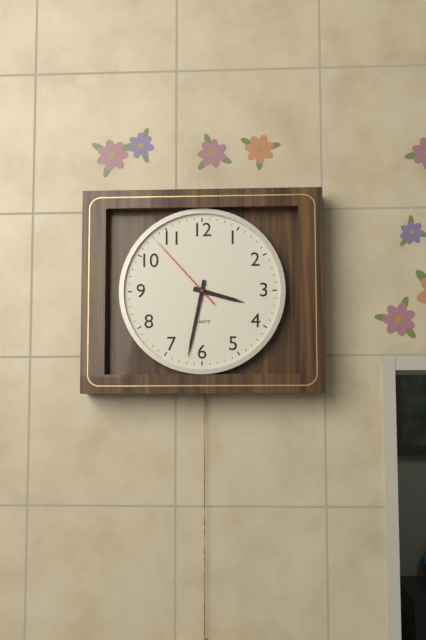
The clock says {"hour": 3, "minute": 32, "second": 53}
